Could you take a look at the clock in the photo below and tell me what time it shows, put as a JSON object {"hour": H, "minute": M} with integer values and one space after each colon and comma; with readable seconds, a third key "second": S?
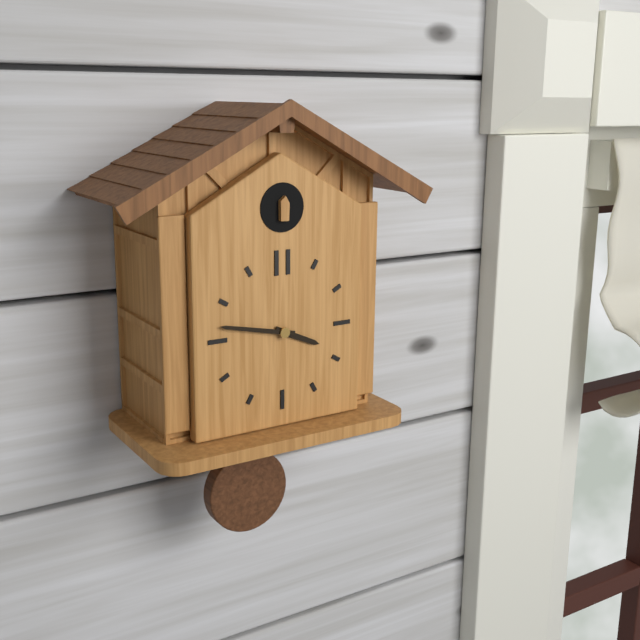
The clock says {"hour": 3, "minute": 47}
